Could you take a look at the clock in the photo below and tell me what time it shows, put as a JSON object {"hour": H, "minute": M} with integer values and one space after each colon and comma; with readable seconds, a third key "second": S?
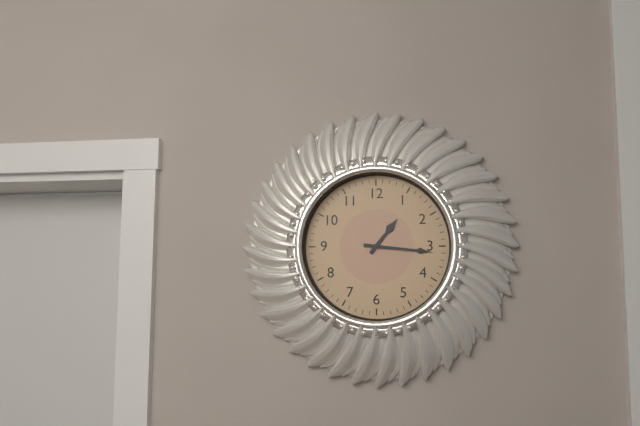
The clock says {"hour": 1, "minute": 16}
